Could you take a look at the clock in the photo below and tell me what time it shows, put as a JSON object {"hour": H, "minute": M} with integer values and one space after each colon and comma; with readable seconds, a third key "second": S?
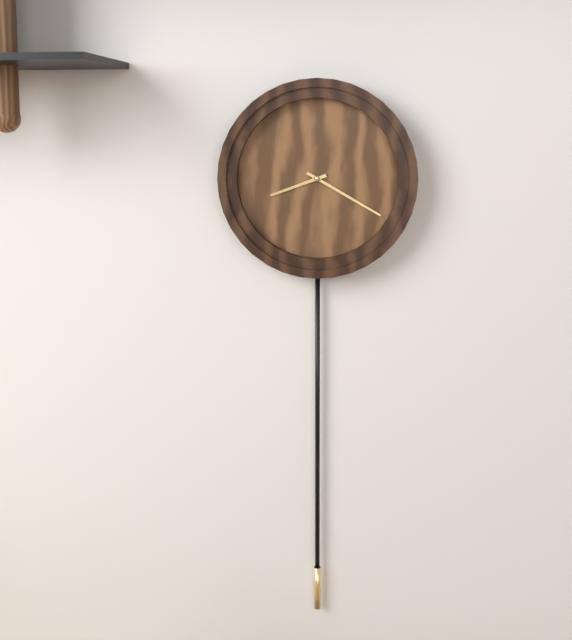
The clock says {"hour": 8, "minute": 20}
